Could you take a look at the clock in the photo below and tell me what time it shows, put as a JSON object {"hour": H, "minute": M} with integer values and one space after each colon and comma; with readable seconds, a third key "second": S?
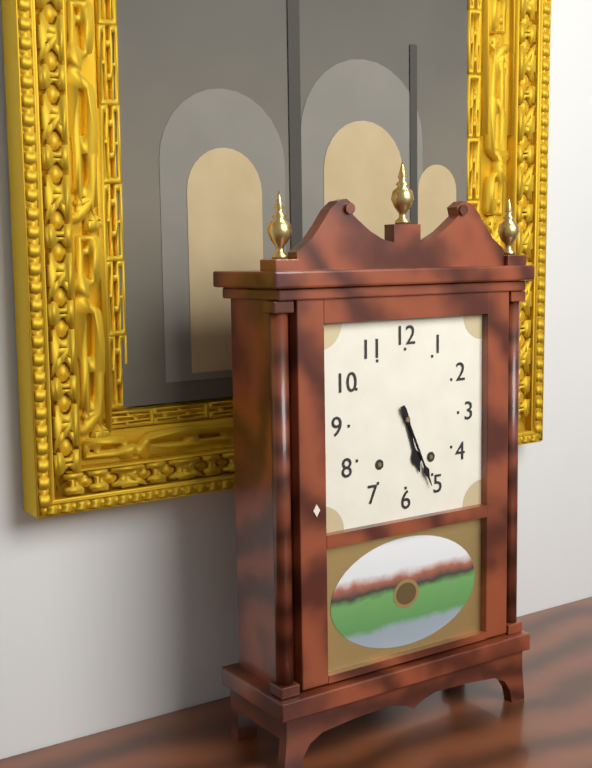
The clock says {"hour": 5, "minute": 26}
